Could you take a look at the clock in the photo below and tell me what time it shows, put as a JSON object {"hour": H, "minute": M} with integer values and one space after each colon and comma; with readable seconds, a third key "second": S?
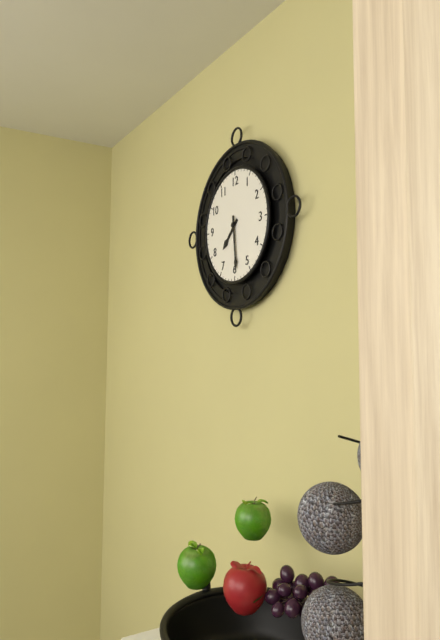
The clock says {"hour": 7, "minute": 29}
